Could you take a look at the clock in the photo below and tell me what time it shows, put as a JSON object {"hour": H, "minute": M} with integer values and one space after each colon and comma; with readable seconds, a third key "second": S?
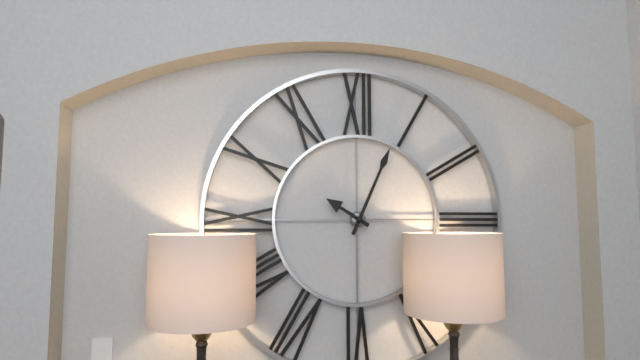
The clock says {"hour": 10, "minute": 4}
